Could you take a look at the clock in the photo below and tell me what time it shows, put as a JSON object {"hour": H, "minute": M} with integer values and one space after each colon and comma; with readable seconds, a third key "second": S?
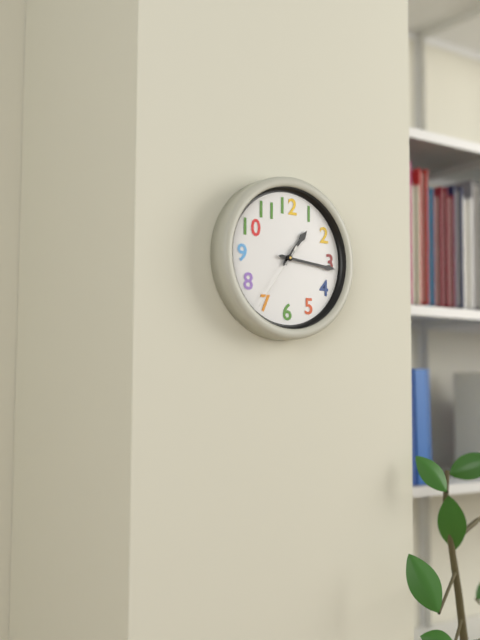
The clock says {"hour": 1, "minute": 16, "second": 36}
